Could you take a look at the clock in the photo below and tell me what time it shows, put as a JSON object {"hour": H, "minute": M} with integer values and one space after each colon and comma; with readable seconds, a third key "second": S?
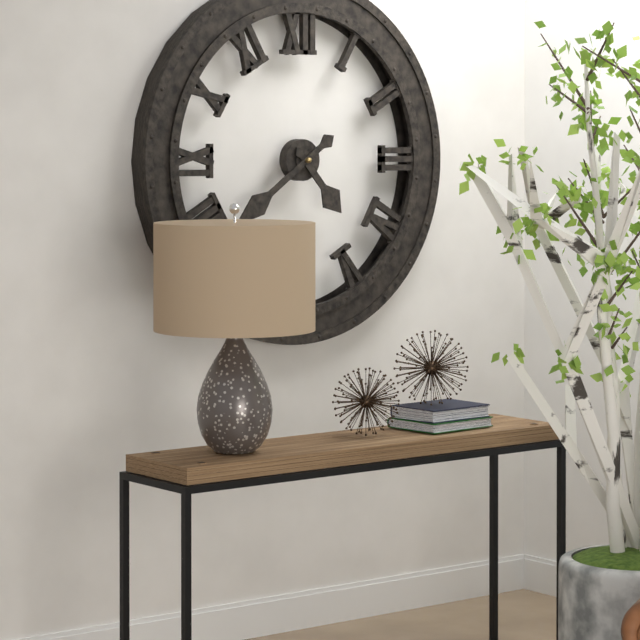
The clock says {"hour": 4, "minute": 39}
